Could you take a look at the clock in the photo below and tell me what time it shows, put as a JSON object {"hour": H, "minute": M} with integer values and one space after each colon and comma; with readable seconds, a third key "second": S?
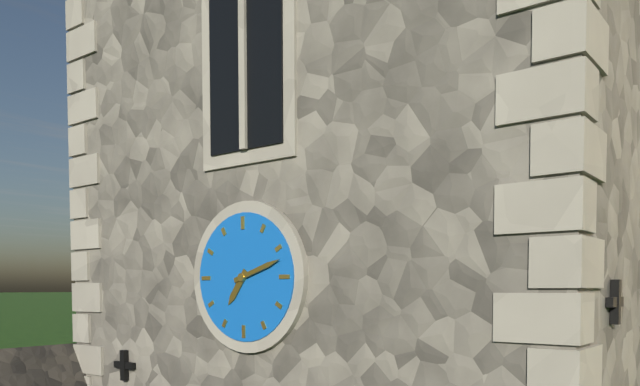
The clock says {"hour": 7, "minute": 12}
